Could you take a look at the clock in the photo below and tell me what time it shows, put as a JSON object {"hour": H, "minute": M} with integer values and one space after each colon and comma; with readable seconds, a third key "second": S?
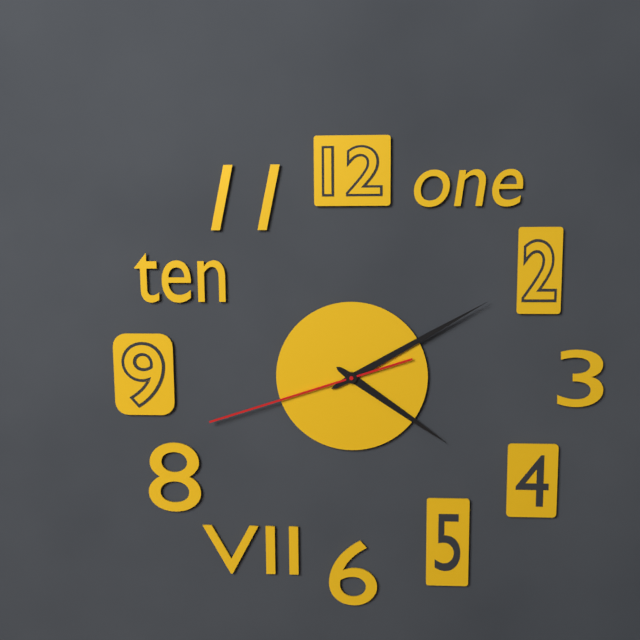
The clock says {"hour": 4, "minute": 10, "second": 42}
